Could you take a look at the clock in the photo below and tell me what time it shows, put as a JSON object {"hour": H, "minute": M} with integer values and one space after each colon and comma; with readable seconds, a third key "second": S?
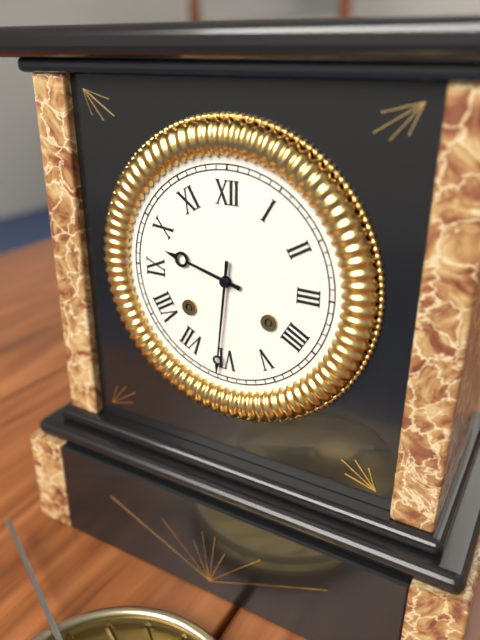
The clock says {"hour": 9, "minute": 31}
